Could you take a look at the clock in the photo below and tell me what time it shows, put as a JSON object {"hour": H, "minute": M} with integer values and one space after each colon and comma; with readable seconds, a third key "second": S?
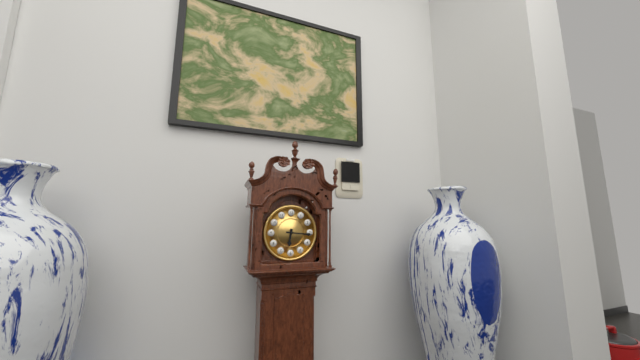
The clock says {"hour": 6, "minute": 16}
